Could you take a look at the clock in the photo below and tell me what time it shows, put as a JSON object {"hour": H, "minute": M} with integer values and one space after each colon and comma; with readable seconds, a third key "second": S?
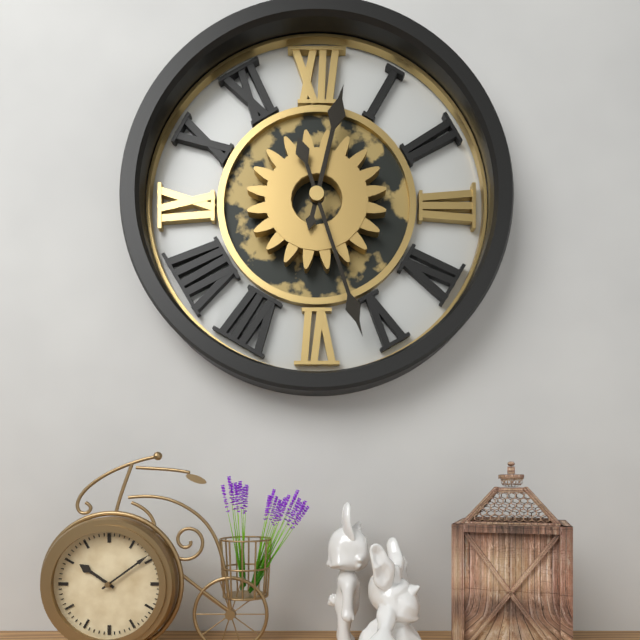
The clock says {"hour": 12, "minute": 27}
